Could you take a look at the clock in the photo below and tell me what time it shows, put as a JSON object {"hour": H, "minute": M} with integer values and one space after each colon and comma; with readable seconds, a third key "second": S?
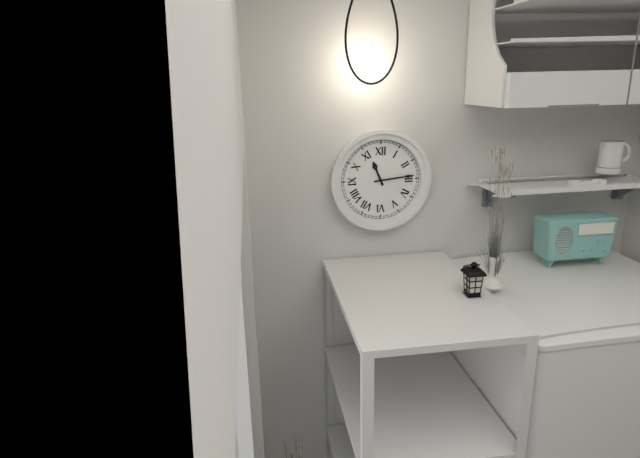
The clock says {"hour": 11, "minute": 14}
